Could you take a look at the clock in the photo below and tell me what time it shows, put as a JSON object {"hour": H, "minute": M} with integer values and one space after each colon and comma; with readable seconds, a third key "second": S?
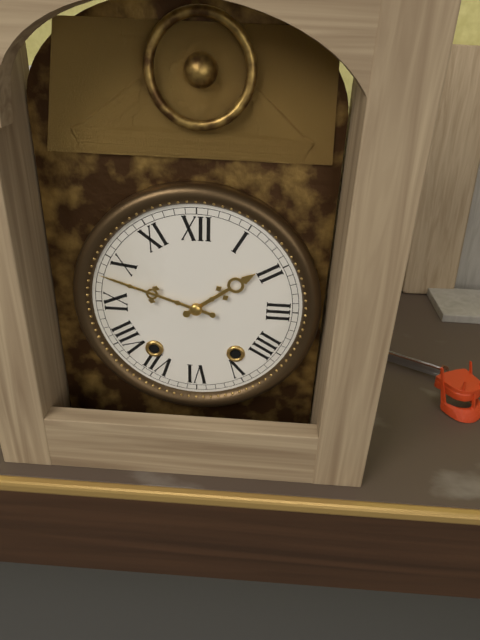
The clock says {"hour": 1, "minute": 48}
